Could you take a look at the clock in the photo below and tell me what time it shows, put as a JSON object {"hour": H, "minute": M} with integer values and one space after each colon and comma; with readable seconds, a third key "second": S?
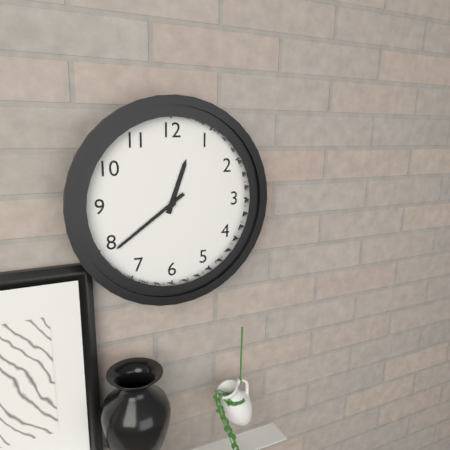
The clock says {"hour": 12, "minute": 39}
